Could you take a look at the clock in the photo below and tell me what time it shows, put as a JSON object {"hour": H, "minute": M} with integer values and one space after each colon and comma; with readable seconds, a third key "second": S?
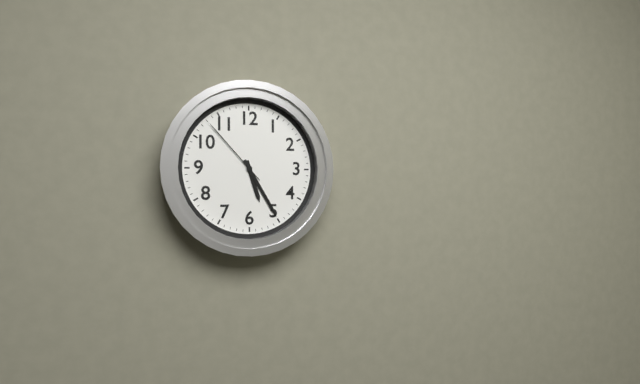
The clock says {"hour": 5, "minute": 25, "second": 53}
